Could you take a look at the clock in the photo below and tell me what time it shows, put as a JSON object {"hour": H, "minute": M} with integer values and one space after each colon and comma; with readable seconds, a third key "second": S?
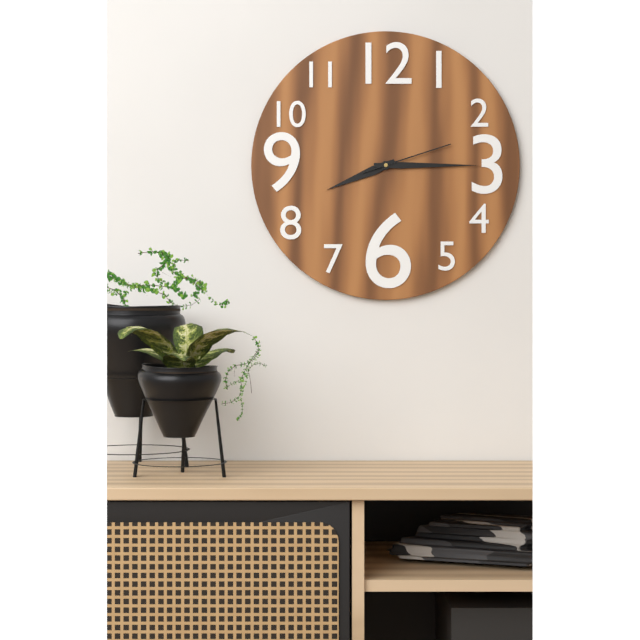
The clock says {"hour": 8, "minute": 15, "second": 12}
